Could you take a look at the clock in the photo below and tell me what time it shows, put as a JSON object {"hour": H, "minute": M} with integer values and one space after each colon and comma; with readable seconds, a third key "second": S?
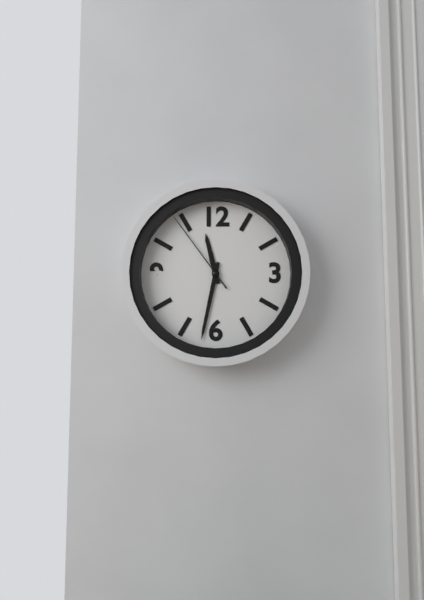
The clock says {"hour": 11, "minute": 32, "second": 54}
